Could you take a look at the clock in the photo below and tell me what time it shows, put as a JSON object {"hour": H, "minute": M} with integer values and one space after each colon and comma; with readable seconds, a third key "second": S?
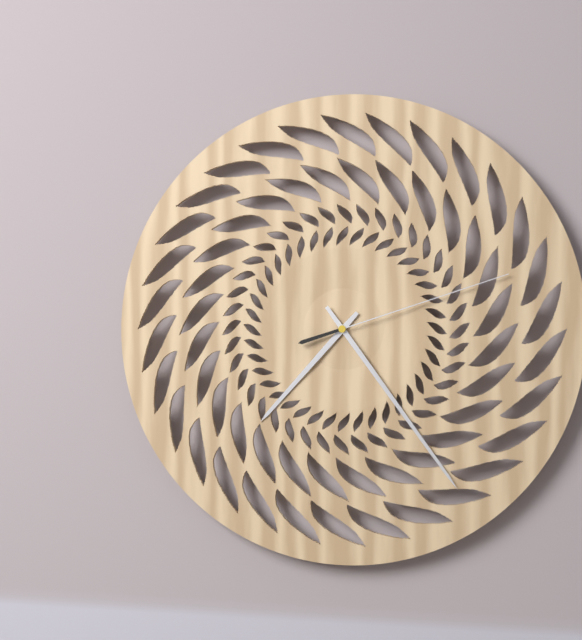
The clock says {"hour": 7, "minute": 24, "second": 12}
